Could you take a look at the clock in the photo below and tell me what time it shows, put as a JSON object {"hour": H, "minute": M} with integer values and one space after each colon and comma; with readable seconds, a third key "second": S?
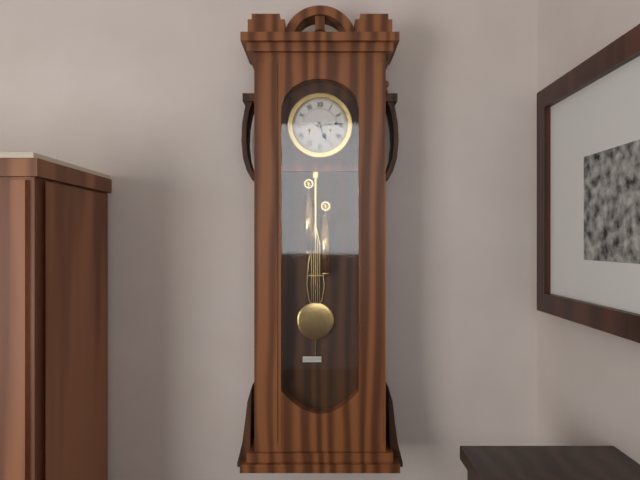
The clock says {"hour": 5, "minute": 14}
